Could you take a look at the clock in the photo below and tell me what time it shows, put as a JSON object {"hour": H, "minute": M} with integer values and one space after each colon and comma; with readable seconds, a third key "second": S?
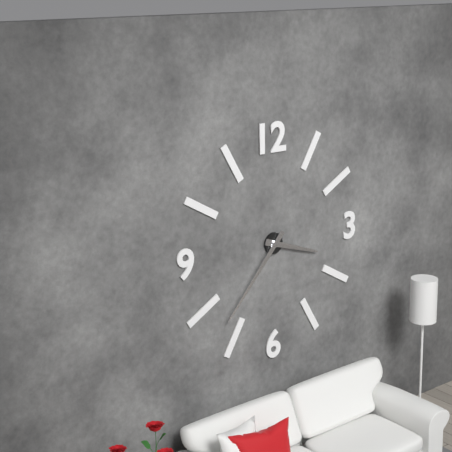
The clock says {"hour": 3, "minute": 37}
